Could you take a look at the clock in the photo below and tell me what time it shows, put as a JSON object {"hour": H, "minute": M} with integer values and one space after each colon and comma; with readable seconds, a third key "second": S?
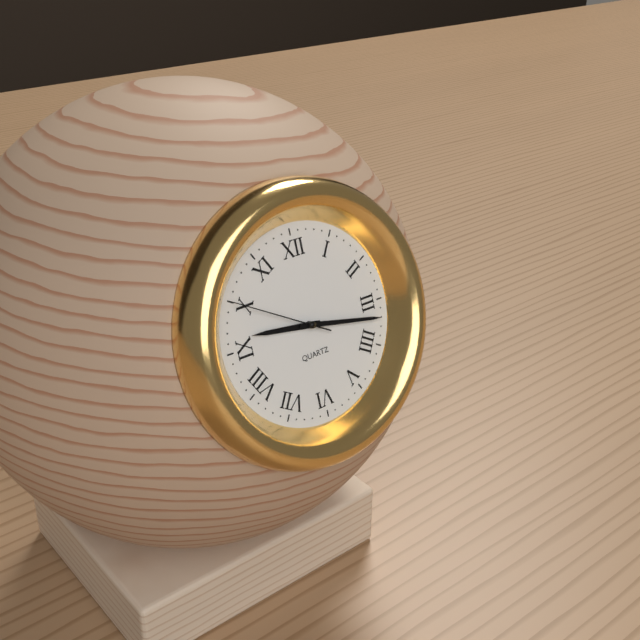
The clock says {"hour": 9, "minute": 17, "second": 50}
